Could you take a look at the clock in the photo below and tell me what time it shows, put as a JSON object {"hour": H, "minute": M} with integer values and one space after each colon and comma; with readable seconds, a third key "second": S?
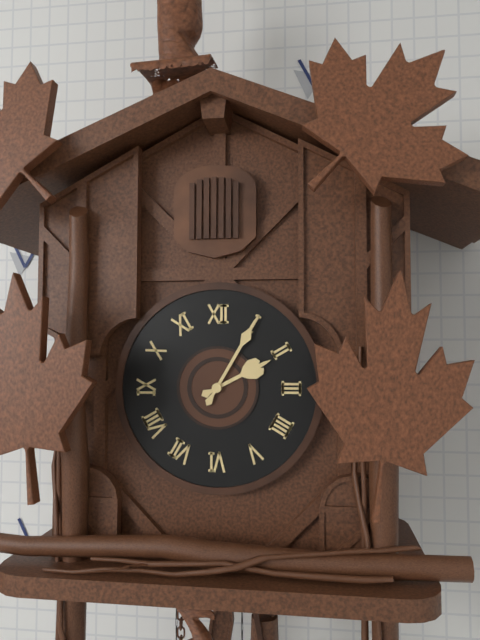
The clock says {"hour": 2, "minute": 5}
